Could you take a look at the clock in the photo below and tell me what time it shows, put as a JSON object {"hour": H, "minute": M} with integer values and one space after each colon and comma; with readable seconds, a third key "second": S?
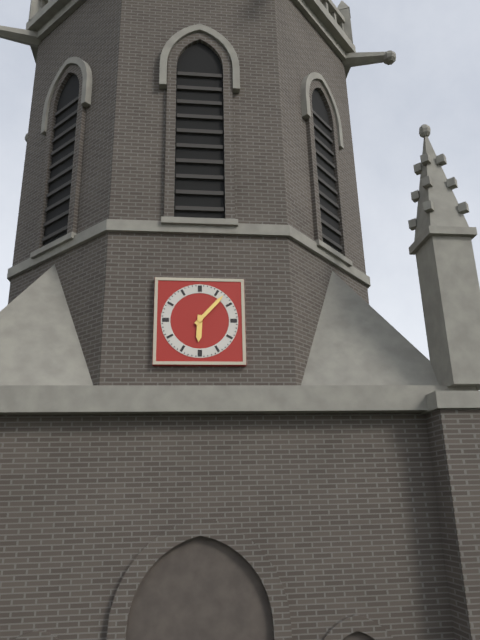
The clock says {"hour": 6, "minute": 7}
